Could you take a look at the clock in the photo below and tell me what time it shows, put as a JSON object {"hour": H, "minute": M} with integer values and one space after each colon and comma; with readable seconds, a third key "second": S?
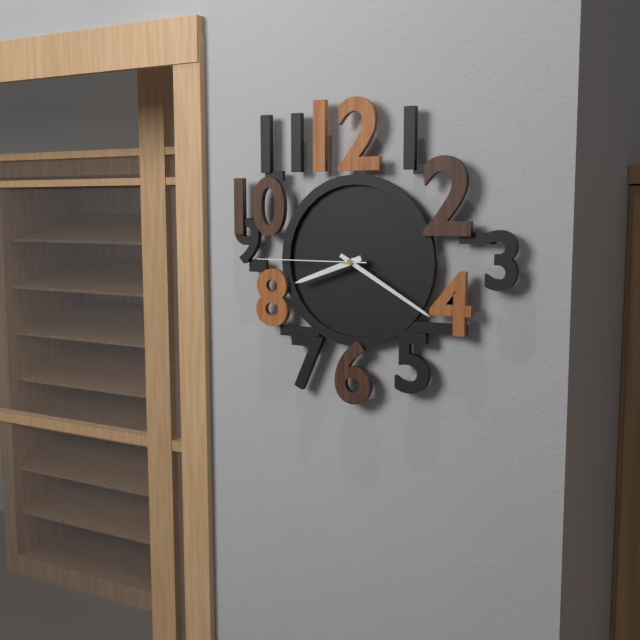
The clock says {"hour": 8, "minute": 20, "second": 45}
